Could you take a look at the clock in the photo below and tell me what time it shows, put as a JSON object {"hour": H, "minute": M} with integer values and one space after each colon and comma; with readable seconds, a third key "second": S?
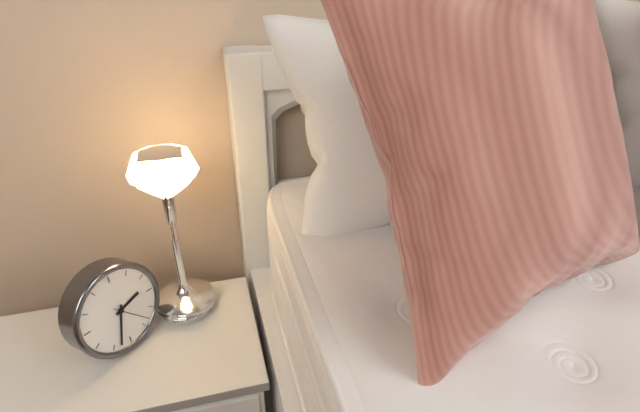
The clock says {"hour": 2, "minute": 33}
